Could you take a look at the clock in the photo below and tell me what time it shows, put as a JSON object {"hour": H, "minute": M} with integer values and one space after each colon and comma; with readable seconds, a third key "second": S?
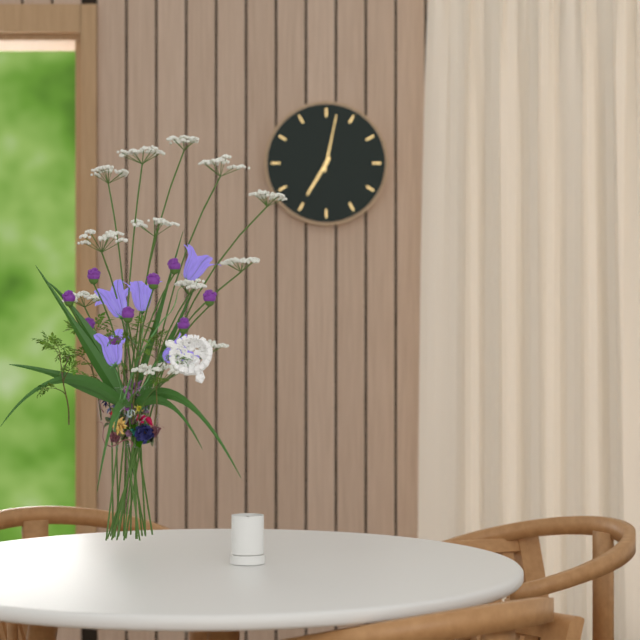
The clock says {"hour": 7, "minute": 2}
